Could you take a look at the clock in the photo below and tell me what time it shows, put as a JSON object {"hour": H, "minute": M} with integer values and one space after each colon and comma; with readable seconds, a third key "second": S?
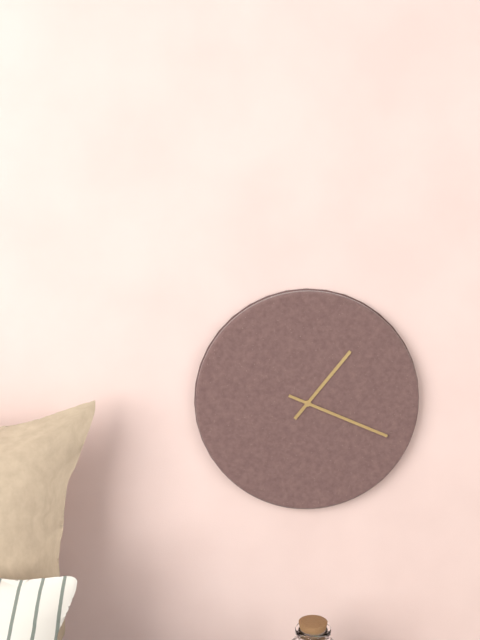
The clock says {"hour": 1, "minute": 19}
